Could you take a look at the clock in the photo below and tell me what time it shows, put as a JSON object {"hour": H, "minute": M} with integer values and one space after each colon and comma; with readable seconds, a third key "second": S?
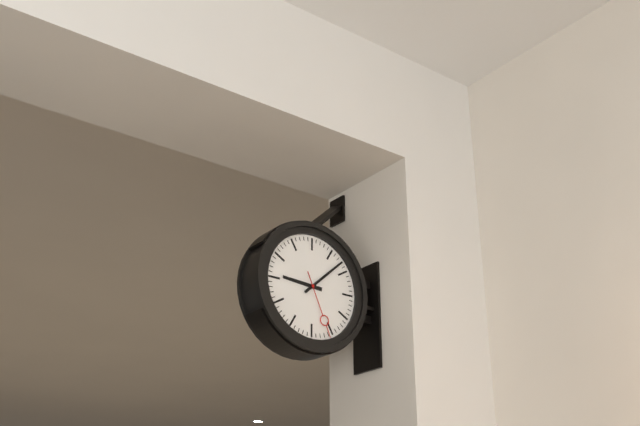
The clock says {"hour": 9, "minute": 8, "second": 26}
